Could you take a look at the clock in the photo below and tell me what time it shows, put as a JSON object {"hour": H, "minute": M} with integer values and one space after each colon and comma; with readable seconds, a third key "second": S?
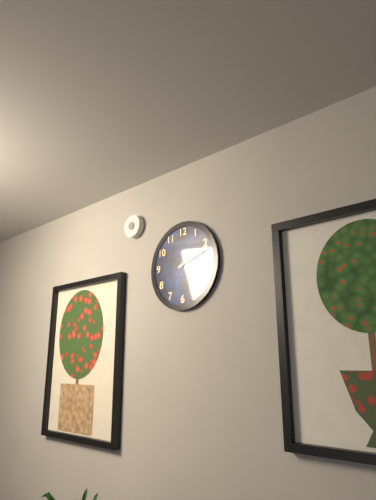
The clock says {"hour": 2, "minute": 12}
